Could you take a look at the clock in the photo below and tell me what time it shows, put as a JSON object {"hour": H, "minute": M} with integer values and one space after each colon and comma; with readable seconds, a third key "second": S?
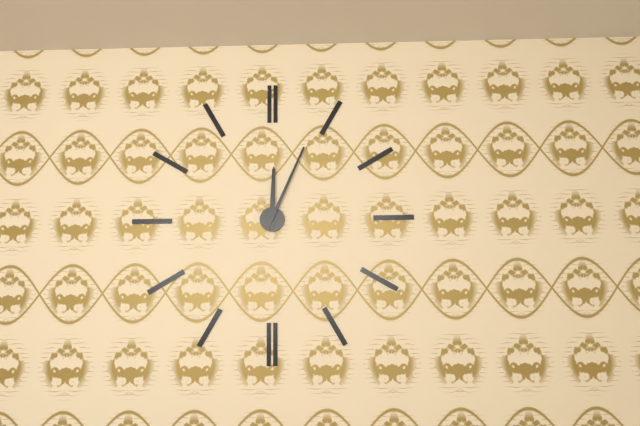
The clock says {"hour": 12, "minute": 4}
